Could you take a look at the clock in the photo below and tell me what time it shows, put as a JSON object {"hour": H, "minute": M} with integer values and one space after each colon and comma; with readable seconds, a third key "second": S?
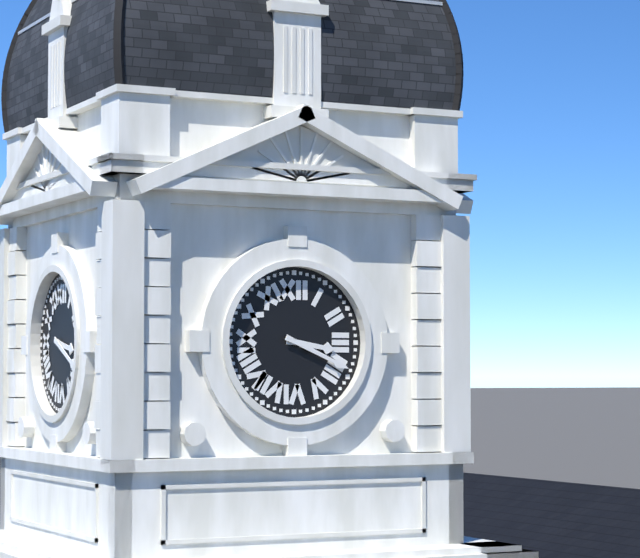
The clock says {"hour": 3, "minute": 19}
